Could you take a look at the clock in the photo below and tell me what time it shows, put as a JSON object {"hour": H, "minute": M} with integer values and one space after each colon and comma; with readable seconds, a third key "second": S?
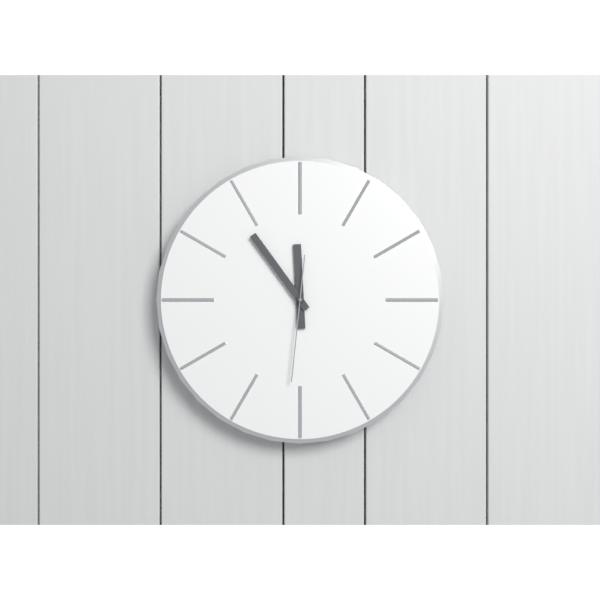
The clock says {"hour": 11, "minute": 54, "second": 31}
